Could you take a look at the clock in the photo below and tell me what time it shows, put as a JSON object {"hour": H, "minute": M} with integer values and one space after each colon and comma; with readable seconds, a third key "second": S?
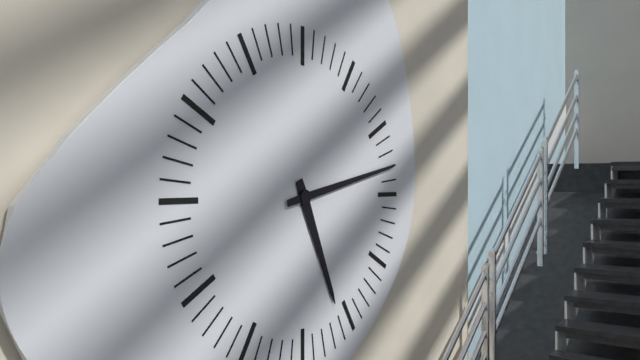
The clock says {"hour": 5, "minute": 13}
